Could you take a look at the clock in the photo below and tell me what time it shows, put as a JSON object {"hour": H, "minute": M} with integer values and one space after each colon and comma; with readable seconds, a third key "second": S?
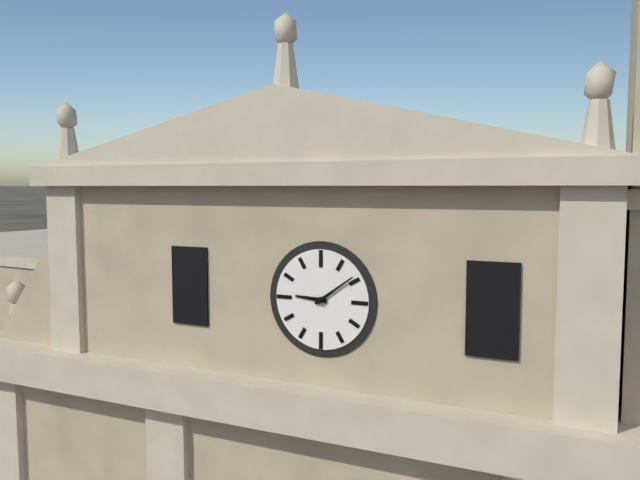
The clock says {"hour": 9, "minute": 9}
